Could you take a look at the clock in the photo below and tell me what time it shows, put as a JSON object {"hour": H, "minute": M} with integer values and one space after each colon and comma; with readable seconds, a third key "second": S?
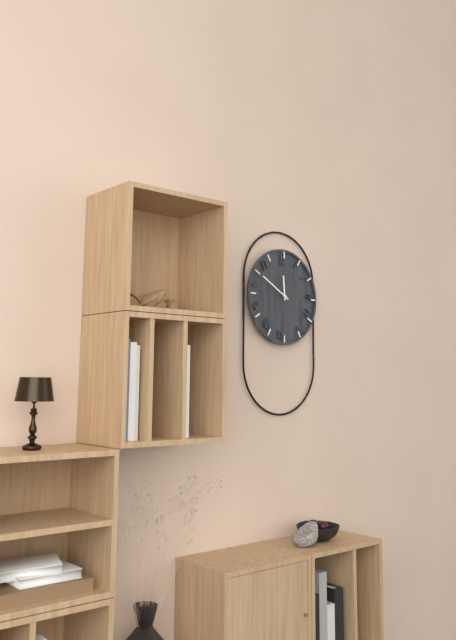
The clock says {"hour": 11, "minute": 50}
